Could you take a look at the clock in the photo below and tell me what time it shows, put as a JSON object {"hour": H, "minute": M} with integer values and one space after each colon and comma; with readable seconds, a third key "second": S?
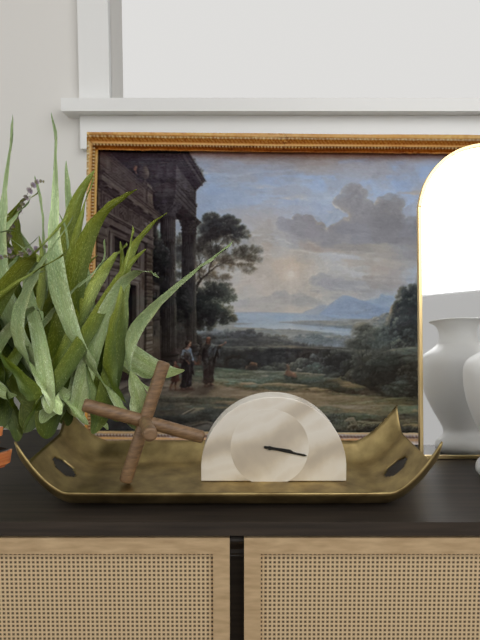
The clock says {"hour": 3, "minute": 17}
